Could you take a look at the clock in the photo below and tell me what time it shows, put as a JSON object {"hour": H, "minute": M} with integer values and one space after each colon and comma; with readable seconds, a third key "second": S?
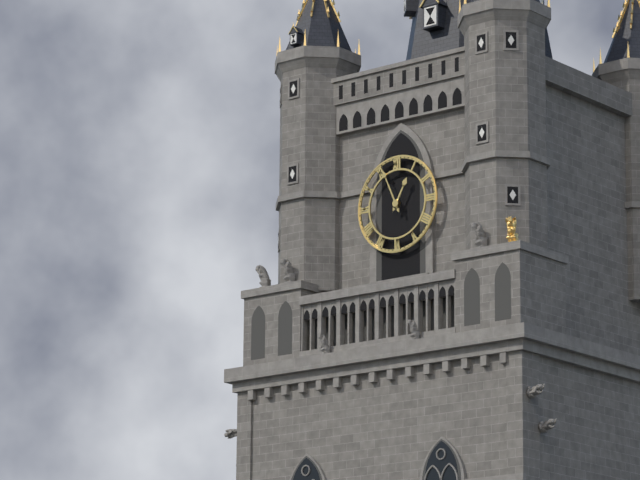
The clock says {"hour": 12, "minute": 56}
